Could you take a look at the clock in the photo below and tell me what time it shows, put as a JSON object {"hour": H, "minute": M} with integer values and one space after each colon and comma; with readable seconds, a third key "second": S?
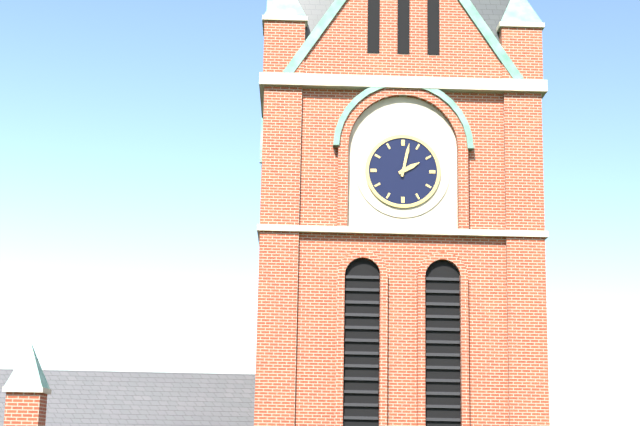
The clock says {"hour": 2, "minute": 2}
